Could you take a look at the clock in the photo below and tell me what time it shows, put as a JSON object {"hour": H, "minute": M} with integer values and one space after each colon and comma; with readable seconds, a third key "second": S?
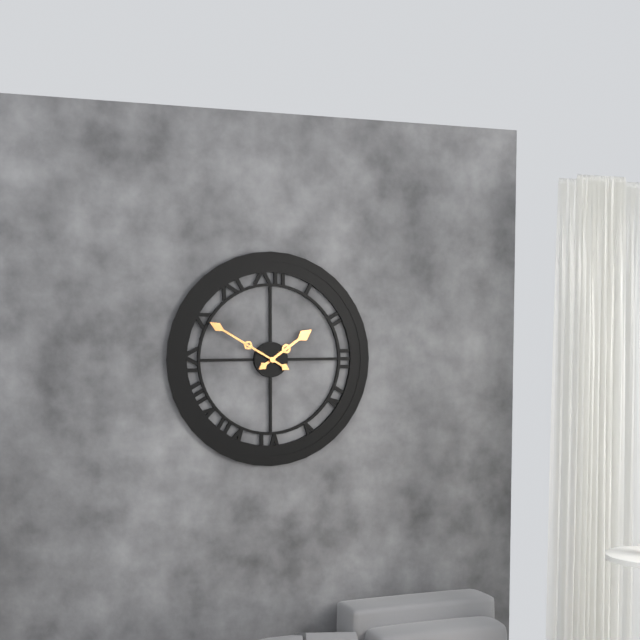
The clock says {"hour": 1, "minute": 50}
